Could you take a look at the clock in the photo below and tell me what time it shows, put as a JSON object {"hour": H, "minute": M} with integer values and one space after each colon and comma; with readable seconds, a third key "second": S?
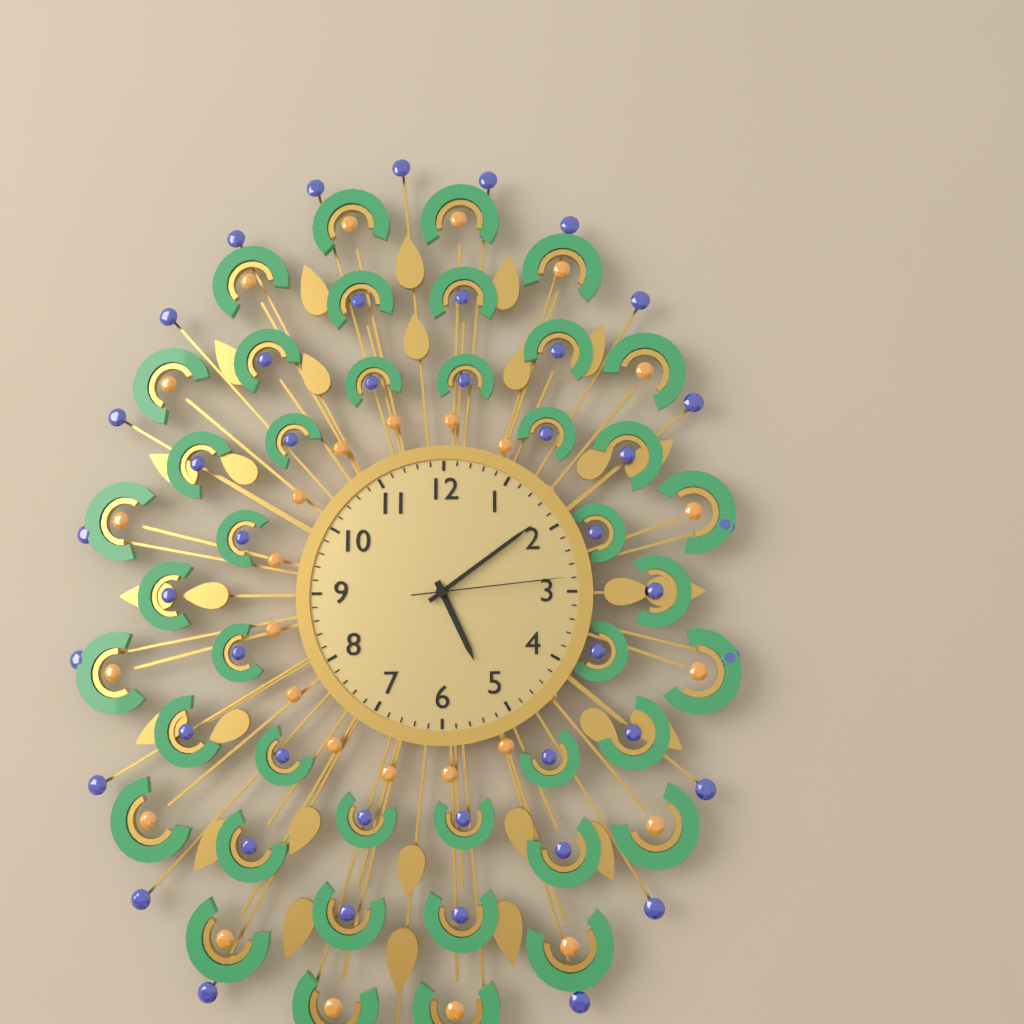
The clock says {"hour": 5, "minute": 9, "second": 14}
